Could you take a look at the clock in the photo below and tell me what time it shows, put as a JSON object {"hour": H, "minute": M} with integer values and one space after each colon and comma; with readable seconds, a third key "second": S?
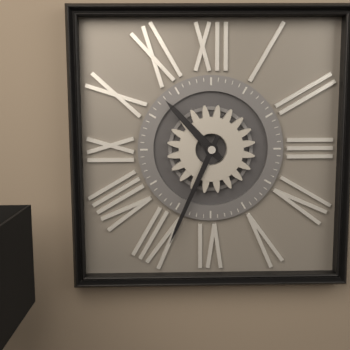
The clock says {"hour": 10, "minute": 34}
